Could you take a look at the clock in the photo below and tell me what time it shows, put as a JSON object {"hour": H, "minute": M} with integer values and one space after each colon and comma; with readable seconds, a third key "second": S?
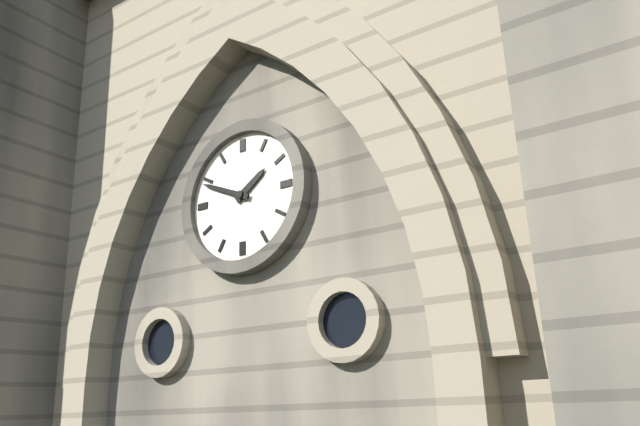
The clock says {"hour": 1, "minute": 49}
